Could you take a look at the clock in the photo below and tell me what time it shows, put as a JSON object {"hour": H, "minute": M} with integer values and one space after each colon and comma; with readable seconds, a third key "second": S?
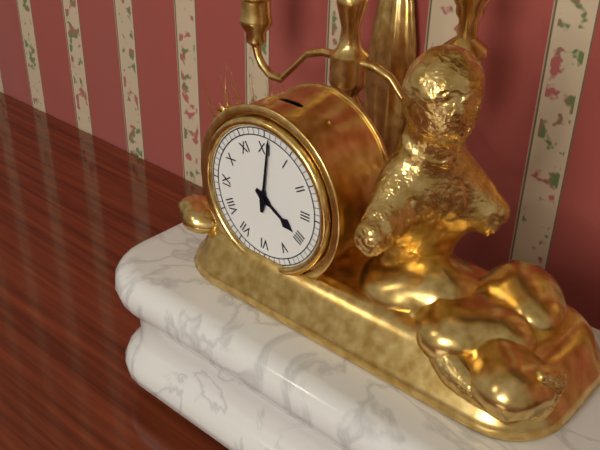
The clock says {"hour": 4, "minute": 1}
